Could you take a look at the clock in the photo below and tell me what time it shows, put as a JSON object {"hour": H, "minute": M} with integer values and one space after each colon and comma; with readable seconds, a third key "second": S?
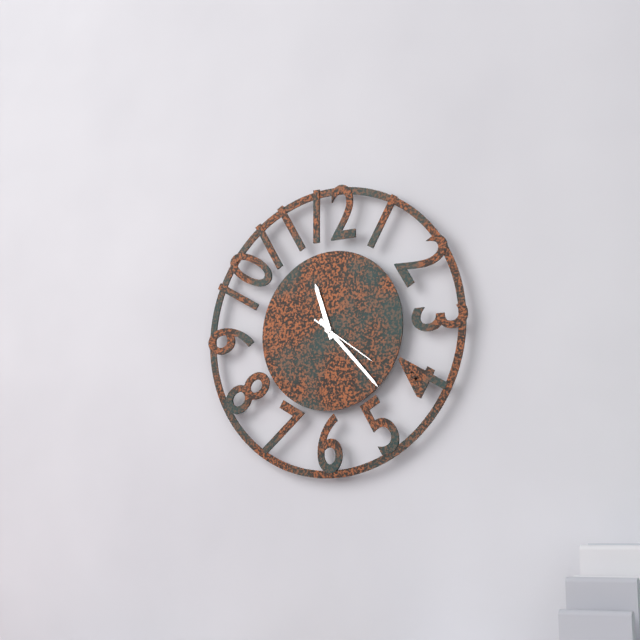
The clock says {"hour": 11, "minute": 23, "second": 21}
